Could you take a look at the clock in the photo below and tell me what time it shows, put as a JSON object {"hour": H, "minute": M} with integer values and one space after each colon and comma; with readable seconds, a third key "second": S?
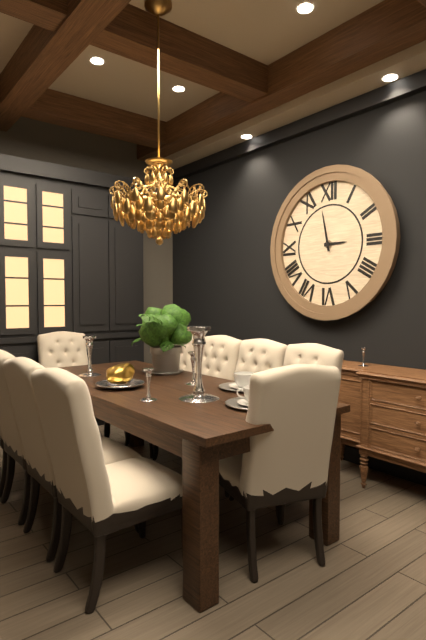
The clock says {"hour": 2, "minute": 58}
